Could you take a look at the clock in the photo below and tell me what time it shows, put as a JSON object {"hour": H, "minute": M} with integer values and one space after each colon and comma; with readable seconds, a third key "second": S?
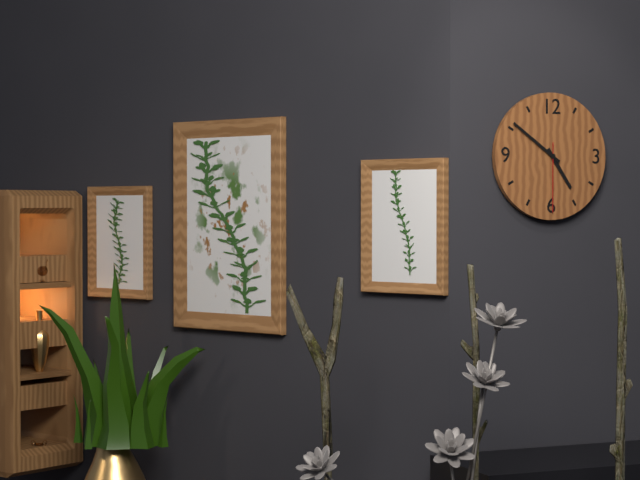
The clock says {"hour": 4, "minute": 51, "second": 30}
